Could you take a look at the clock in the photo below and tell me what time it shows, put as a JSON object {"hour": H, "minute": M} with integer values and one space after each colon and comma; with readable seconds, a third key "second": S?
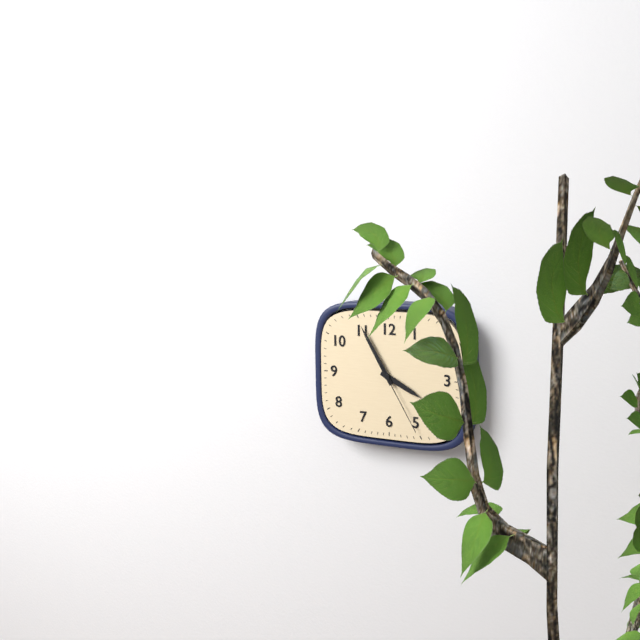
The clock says {"hour": 3, "minute": 55, "second": 25}
